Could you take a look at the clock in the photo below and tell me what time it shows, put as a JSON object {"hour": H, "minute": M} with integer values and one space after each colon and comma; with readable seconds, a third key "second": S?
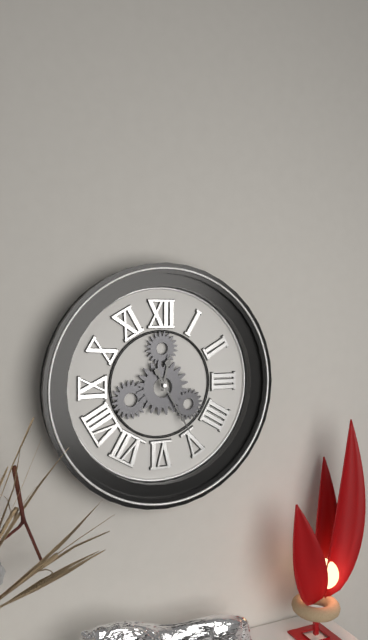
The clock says {"hour": 12, "minute": 25}
